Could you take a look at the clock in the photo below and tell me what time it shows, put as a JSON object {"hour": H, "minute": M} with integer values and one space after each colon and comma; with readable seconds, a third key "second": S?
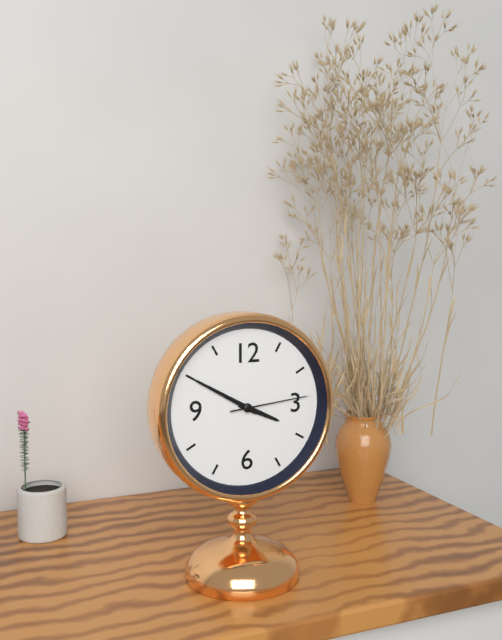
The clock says {"hour": 3, "minute": 50, "second": 14}
